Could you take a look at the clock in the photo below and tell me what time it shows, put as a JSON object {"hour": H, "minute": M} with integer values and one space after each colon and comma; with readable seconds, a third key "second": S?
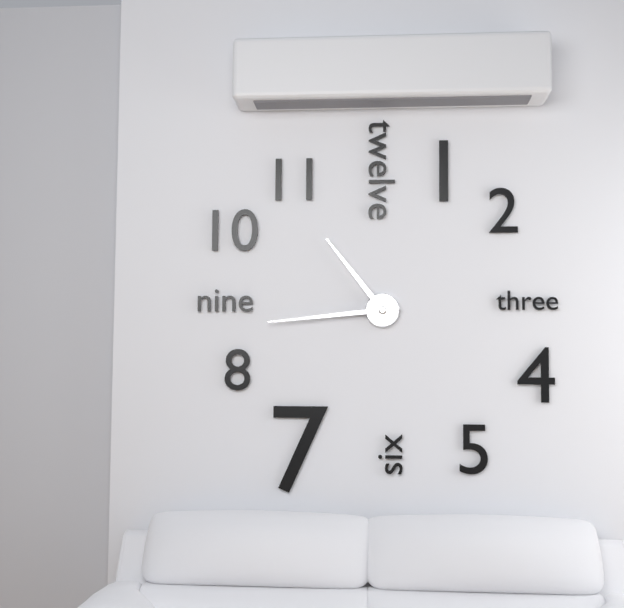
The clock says {"hour": 10, "minute": 44}
